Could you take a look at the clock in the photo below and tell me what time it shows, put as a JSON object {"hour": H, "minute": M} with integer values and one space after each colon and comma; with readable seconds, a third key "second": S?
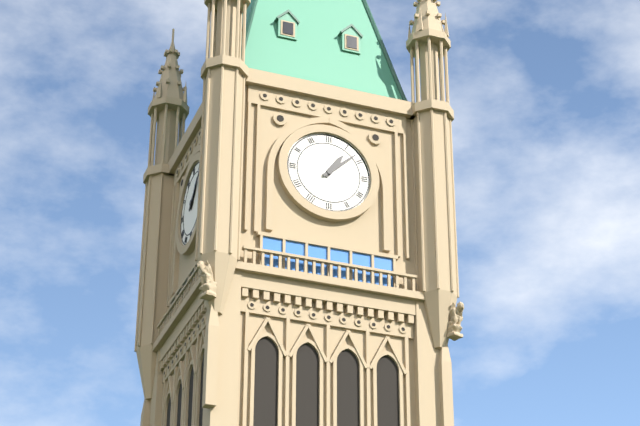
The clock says {"hour": 1, "minute": 8}
